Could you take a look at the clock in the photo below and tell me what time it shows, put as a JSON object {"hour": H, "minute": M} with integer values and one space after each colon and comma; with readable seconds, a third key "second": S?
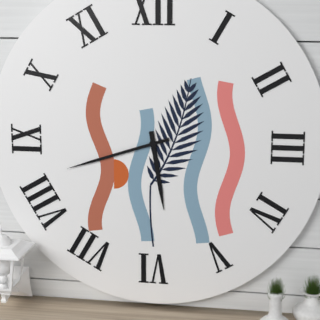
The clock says {"hour": 5, "minute": 42}
